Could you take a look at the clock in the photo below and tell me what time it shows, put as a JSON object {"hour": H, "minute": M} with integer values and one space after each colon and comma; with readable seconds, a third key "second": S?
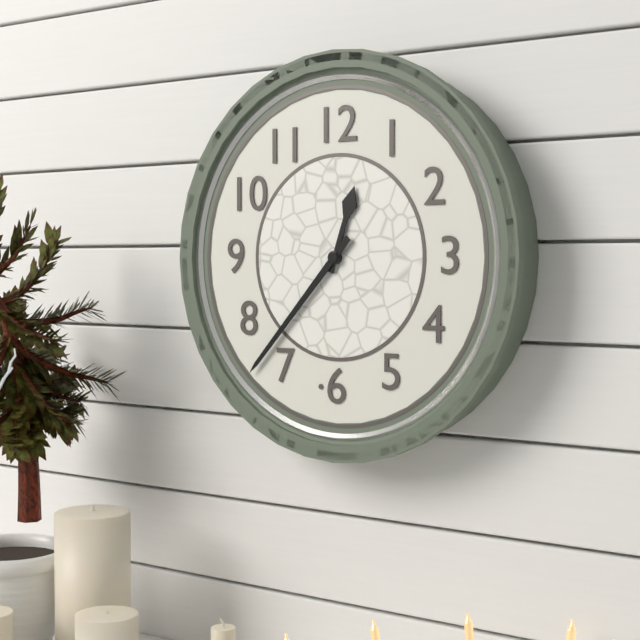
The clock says {"hour": 12, "minute": 37}
